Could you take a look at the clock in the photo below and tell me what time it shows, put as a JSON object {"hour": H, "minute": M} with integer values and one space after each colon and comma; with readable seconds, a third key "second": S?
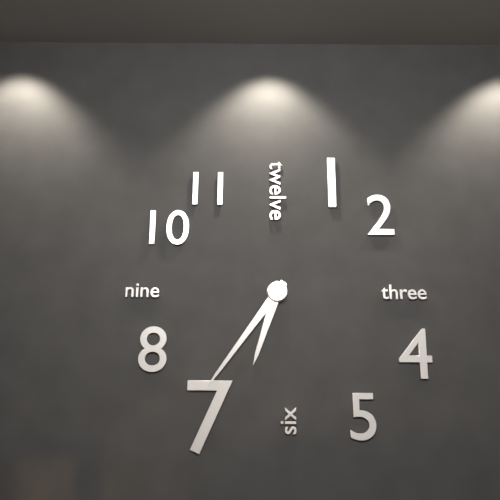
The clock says {"hour": 6, "minute": 36}
